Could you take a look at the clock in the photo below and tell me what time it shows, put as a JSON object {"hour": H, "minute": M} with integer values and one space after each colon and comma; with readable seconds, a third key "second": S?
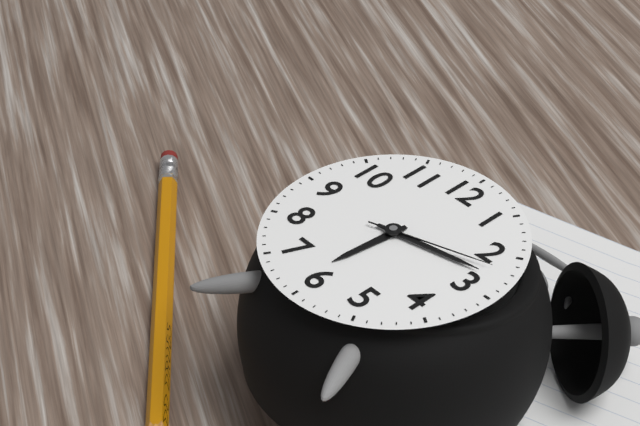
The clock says {"hour": 6, "minute": 13, "second": 12}
